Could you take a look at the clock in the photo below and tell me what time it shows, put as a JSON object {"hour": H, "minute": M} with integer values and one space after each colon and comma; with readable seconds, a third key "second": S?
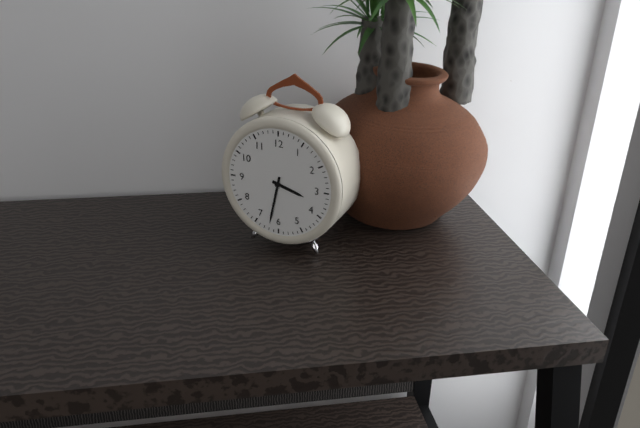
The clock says {"hour": 3, "minute": 32}
